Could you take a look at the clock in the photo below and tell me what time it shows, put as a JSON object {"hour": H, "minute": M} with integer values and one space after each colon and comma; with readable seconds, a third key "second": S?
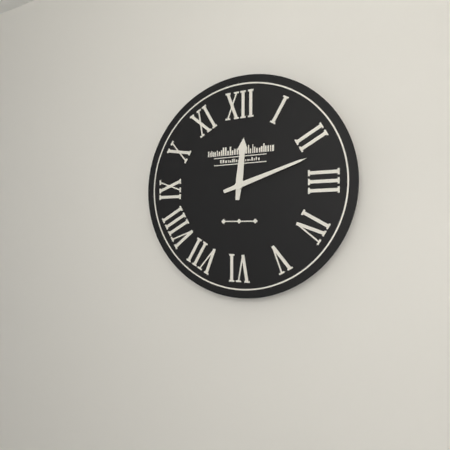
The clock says {"hour": 12, "minute": 12}
